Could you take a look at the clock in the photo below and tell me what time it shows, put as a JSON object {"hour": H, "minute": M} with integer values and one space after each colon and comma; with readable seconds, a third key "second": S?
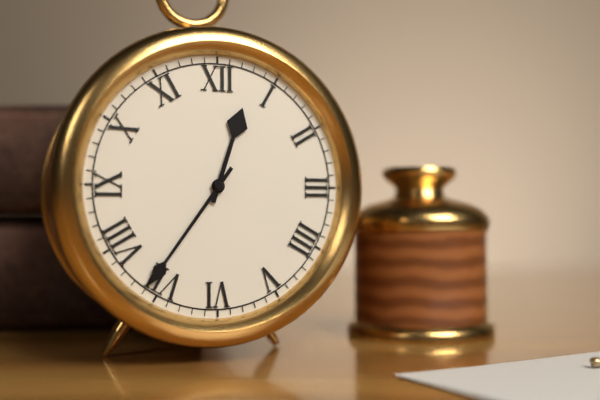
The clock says {"hour": 12, "minute": 36}
